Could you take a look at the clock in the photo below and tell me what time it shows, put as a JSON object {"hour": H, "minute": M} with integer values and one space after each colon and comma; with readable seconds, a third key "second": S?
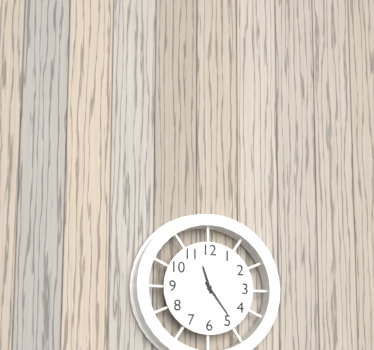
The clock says {"hour": 11, "minute": 24}
